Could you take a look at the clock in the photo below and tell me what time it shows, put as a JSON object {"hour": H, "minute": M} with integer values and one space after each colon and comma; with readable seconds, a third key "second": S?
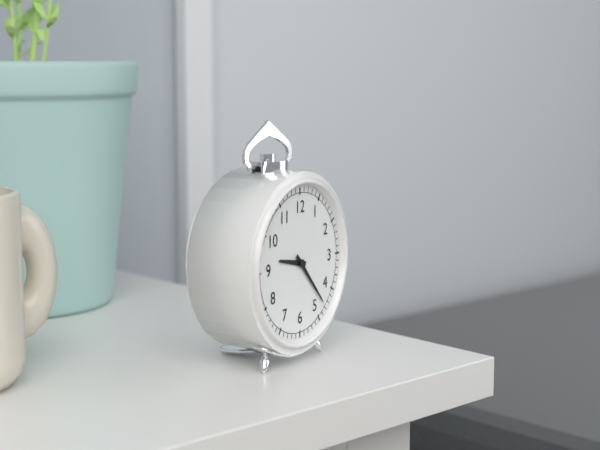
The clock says {"hour": 9, "minute": 23}
